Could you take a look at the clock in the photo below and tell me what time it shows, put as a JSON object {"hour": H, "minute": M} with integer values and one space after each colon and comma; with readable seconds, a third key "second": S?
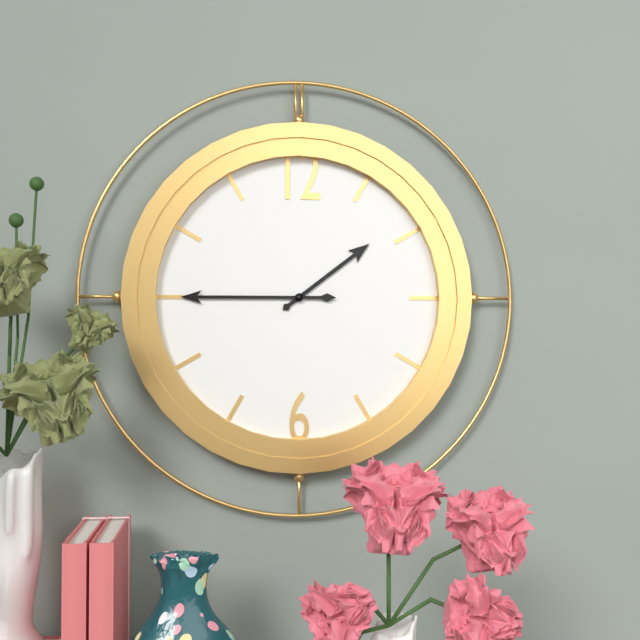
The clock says {"hour": 1, "minute": 45}
